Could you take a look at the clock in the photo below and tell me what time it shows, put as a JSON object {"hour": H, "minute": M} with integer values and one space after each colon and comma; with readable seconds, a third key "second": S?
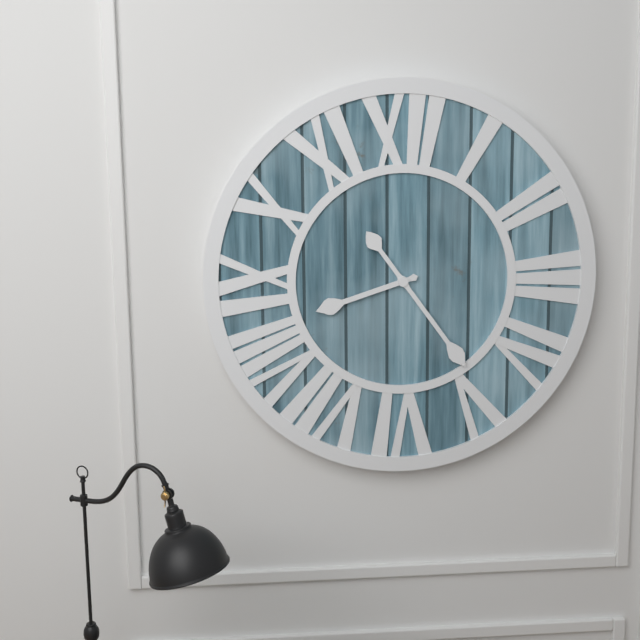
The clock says {"hour": 8, "minute": 24}
